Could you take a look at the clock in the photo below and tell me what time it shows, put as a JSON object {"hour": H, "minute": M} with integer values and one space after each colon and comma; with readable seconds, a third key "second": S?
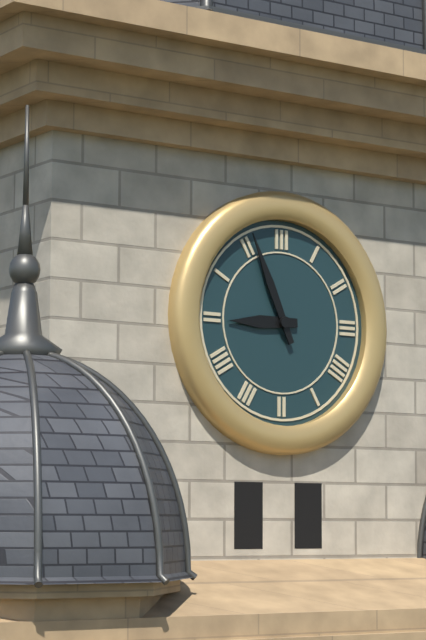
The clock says {"hour": 8, "minute": 56}
